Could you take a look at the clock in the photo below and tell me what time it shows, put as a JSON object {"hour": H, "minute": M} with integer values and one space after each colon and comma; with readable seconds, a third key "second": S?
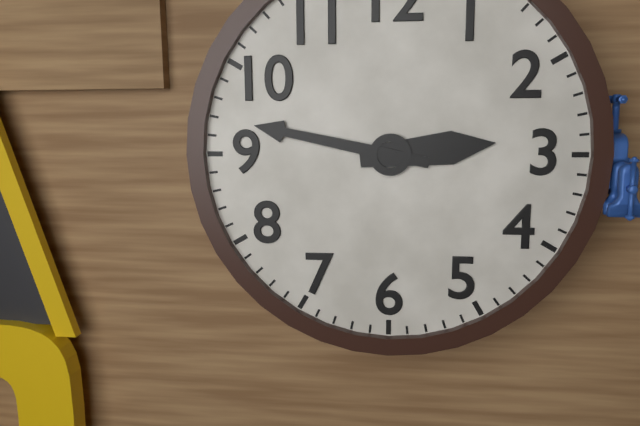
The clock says {"hour": 2, "minute": 47}
